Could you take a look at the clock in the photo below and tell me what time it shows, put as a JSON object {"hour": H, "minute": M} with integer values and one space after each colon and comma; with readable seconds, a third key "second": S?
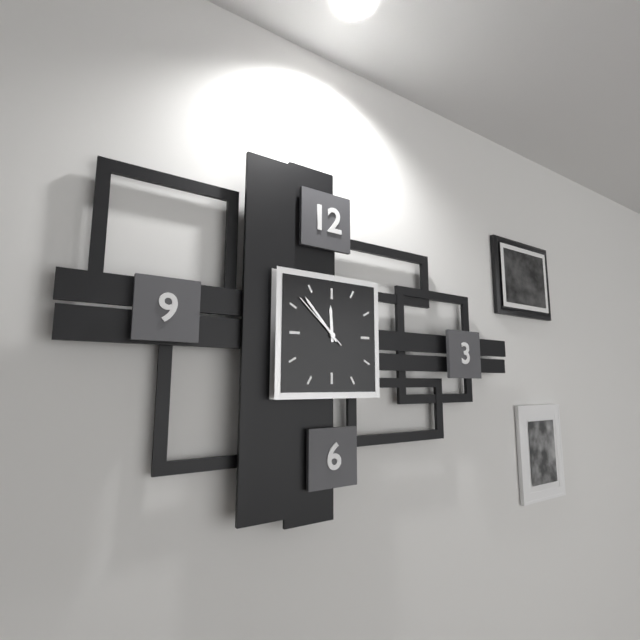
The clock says {"hour": 11, "minute": 53, "second": 52}
